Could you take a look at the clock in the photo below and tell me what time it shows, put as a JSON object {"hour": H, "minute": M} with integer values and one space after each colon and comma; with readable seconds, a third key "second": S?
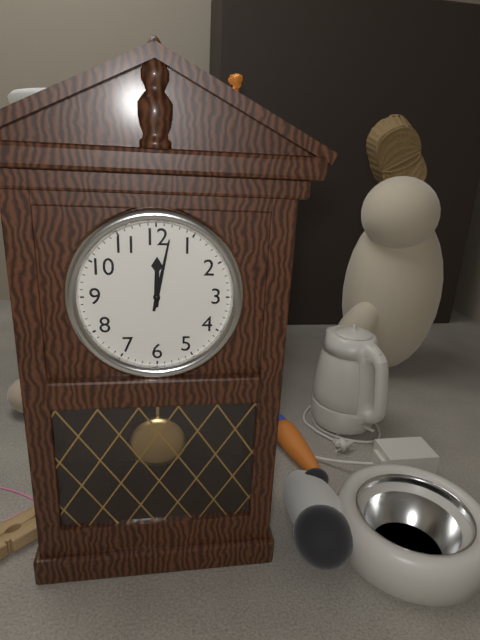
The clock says {"hour": 12, "minute": 2}
